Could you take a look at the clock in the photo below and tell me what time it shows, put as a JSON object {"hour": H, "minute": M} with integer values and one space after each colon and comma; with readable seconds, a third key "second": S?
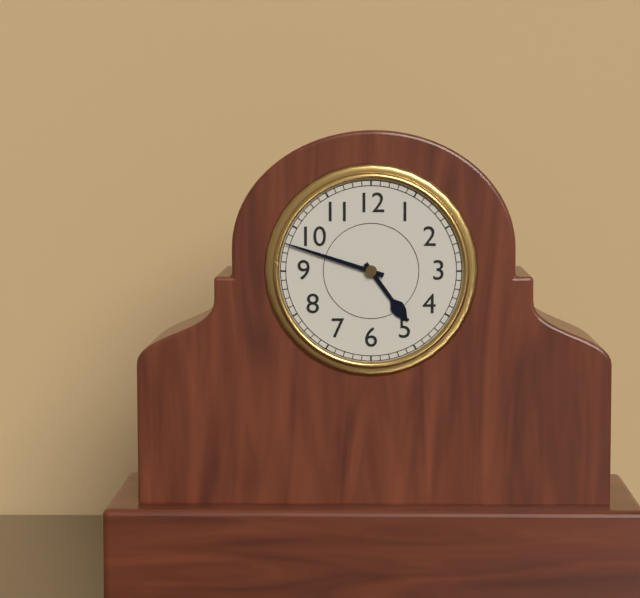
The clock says {"hour": 4, "minute": 48}
